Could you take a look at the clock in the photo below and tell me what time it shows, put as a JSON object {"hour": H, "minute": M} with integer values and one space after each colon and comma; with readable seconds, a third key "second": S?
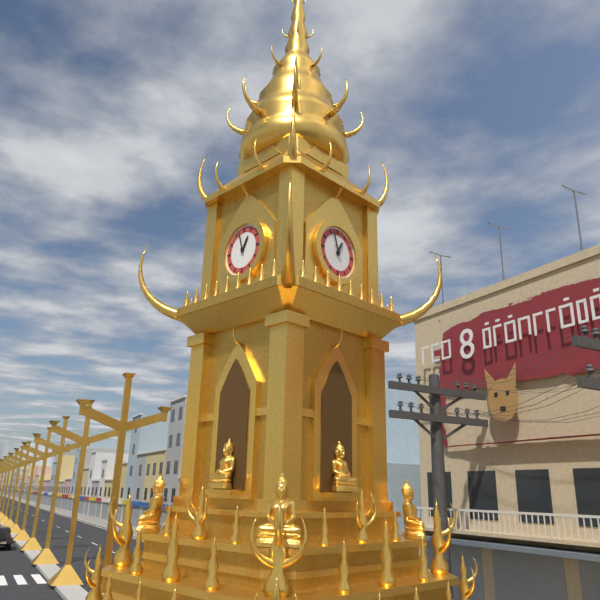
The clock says {"hour": 12, "minute": 57}
